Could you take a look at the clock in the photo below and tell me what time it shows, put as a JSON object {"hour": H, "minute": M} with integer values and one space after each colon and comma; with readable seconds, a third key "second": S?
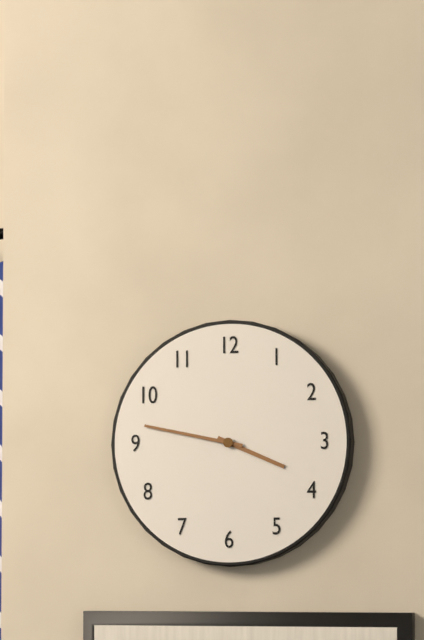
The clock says {"hour": 3, "minute": 47}
